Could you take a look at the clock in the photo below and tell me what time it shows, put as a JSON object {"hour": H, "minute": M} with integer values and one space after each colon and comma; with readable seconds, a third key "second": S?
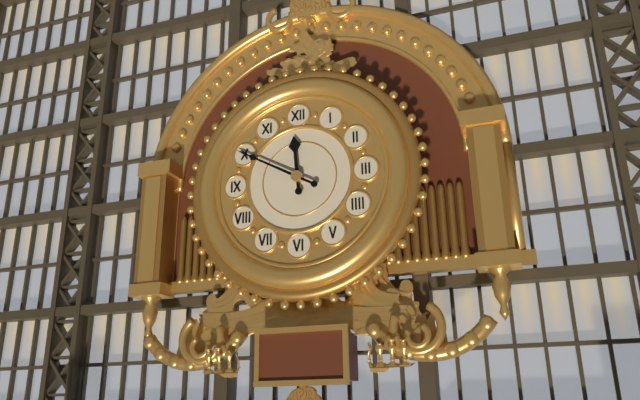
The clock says {"hour": 11, "minute": 50}
